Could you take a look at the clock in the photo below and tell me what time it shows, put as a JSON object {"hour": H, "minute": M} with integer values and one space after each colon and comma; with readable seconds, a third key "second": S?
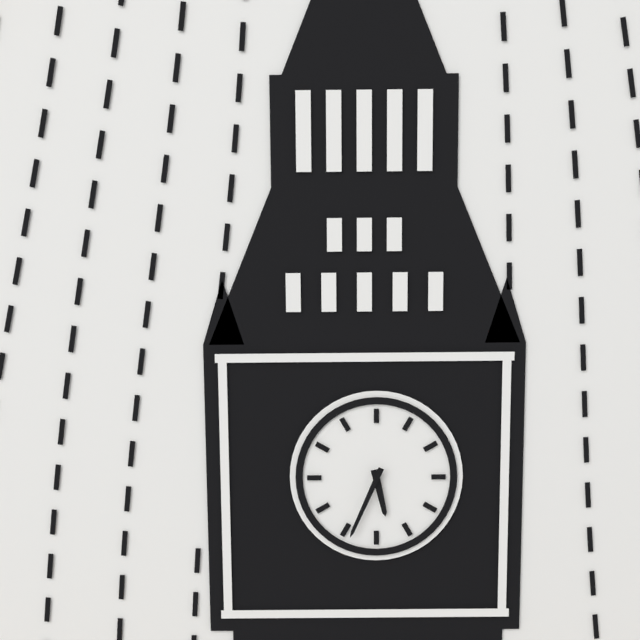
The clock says {"hour": 5, "minute": 34}
